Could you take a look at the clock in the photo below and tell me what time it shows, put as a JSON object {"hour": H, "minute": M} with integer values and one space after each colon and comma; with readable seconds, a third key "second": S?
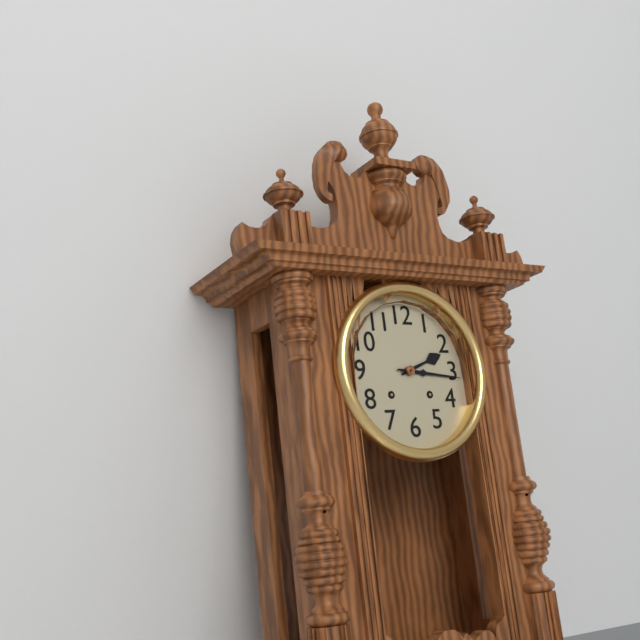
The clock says {"hour": 2, "minute": 16}
